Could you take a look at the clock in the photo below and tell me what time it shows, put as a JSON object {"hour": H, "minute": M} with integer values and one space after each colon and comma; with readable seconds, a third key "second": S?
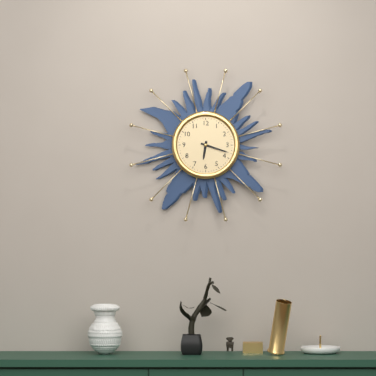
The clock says {"hour": 6, "minute": 18}
